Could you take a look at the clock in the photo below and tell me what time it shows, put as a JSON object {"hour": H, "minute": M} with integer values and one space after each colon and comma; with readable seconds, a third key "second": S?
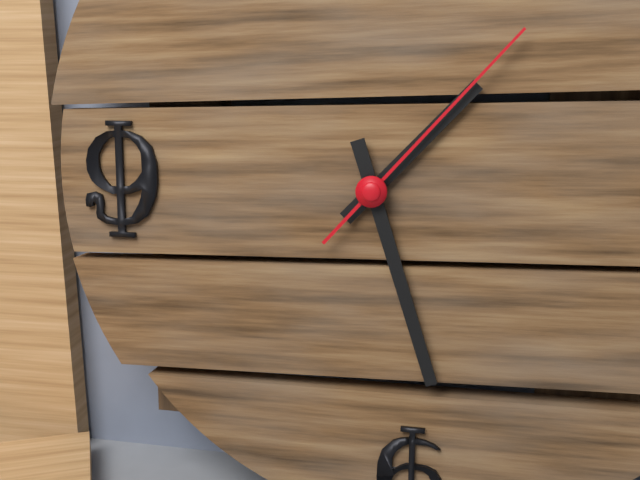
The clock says {"hour": 1, "minute": 27, "second": 7}
